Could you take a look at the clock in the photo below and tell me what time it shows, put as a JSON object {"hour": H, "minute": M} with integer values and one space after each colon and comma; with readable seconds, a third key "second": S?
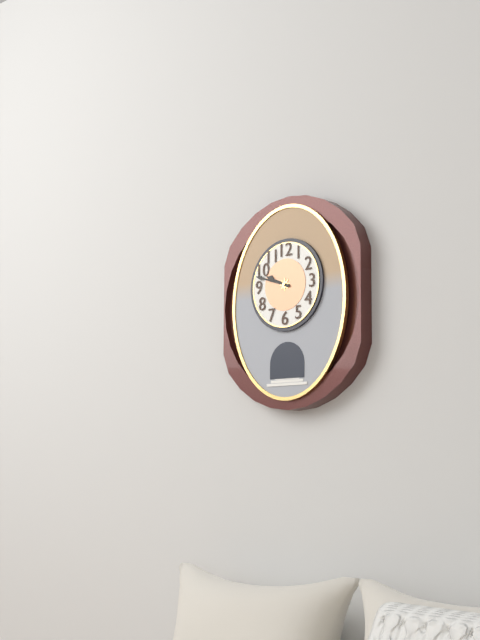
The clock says {"hour": 9, "minute": 48}
